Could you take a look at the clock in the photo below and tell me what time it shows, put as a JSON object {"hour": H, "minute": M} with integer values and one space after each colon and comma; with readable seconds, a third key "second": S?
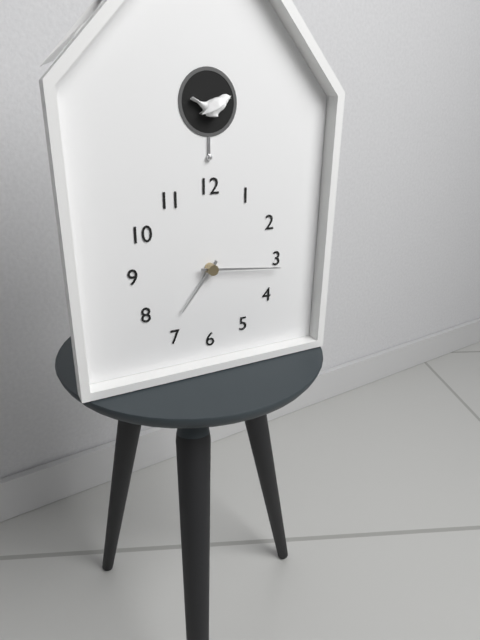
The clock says {"hour": 7, "minute": 16}
